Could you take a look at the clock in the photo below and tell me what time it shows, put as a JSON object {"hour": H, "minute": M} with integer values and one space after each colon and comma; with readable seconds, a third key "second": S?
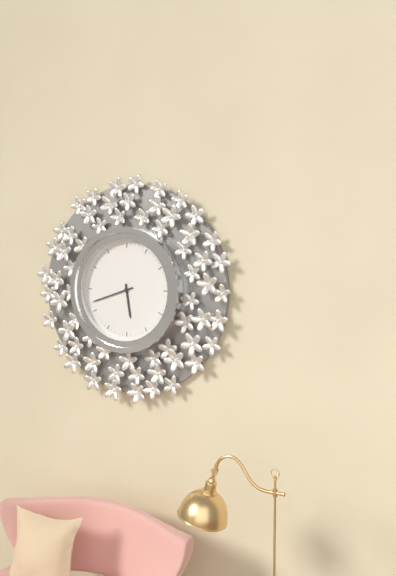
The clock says {"hour": 5, "minute": 42}
